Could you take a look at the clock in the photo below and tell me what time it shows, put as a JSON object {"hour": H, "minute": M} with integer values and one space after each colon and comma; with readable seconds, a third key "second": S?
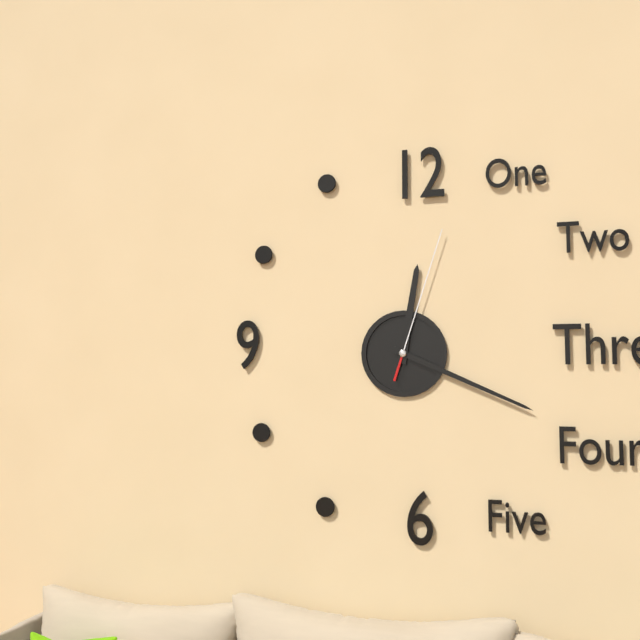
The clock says {"hour": 12, "minute": 19, "second": 3}
